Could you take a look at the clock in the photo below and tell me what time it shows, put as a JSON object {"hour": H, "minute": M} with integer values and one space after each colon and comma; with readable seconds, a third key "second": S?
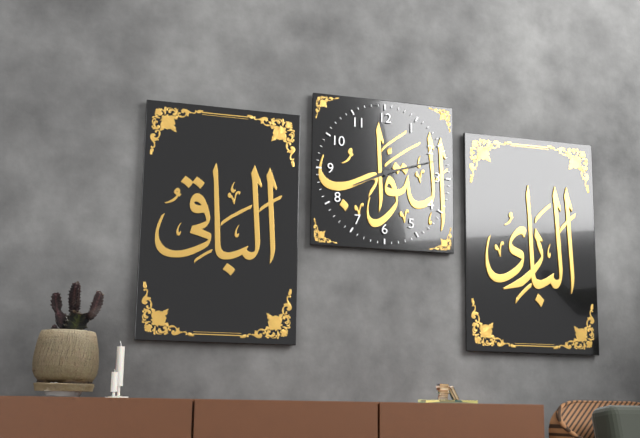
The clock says {"hour": 8, "minute": 12}
